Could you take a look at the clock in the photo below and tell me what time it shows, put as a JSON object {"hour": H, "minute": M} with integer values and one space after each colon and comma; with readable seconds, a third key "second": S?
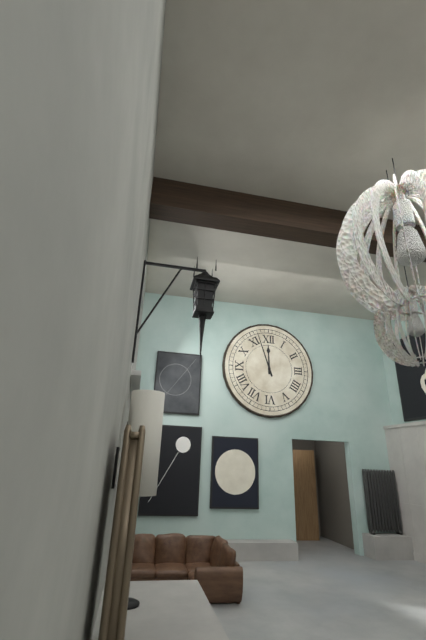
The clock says {"hour": 11, "minute": 57}
